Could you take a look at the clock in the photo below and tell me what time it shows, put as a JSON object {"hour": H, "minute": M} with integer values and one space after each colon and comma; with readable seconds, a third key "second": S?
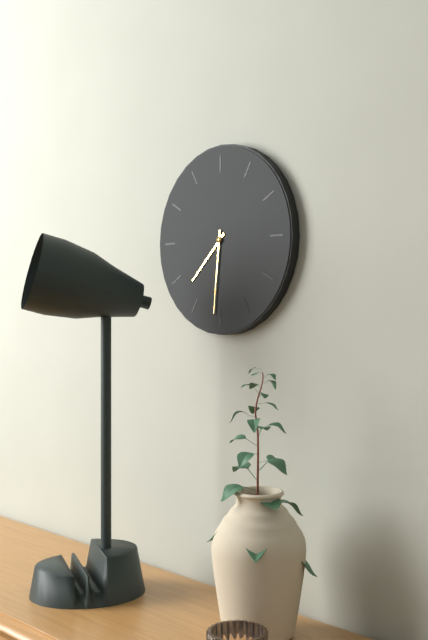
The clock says {"hour": 7, "minute": 31}
